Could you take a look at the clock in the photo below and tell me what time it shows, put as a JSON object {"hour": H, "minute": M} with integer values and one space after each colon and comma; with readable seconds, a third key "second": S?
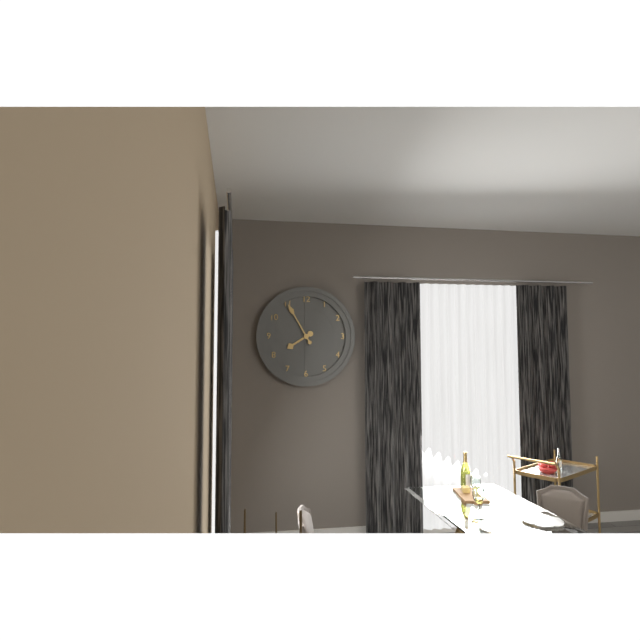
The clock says {"hour": 7, "minute": 55}
